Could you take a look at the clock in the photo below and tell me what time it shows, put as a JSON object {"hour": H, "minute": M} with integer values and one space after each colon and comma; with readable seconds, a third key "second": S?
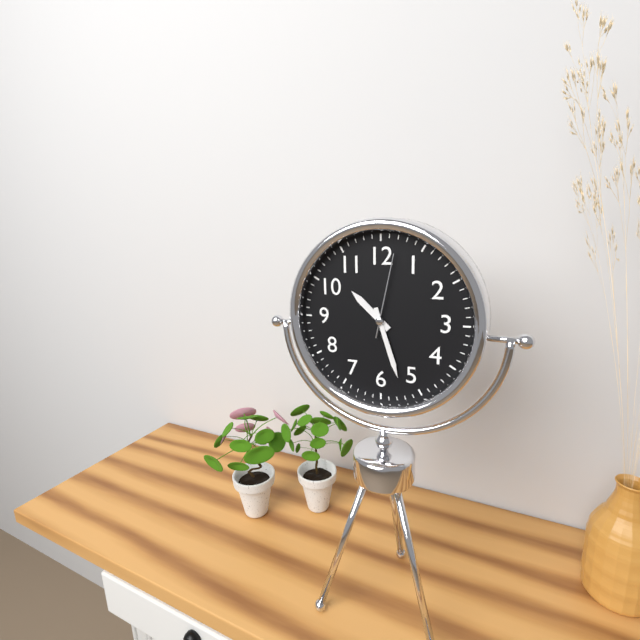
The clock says {"hour": 10, "minute": 27, "second": 2}
